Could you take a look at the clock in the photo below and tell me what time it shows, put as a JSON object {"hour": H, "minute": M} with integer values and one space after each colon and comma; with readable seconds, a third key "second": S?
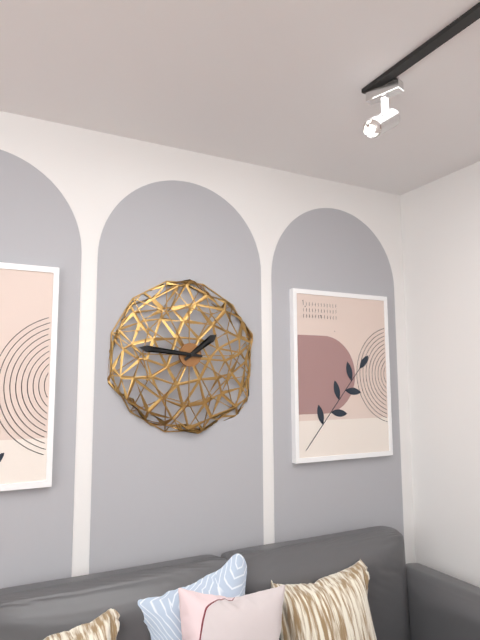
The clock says {"hour": 1, "minute": 46}
